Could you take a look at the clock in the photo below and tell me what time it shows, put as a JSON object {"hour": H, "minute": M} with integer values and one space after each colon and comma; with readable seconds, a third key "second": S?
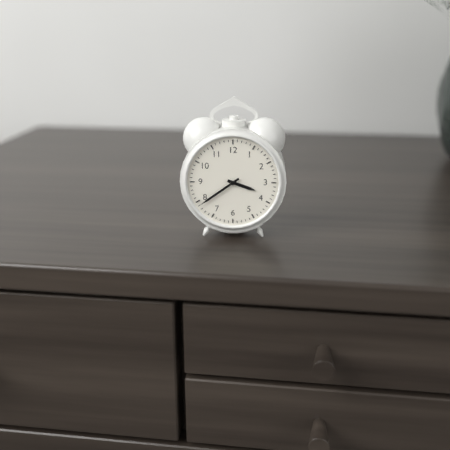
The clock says {"hour": 3, "minute": 39}
